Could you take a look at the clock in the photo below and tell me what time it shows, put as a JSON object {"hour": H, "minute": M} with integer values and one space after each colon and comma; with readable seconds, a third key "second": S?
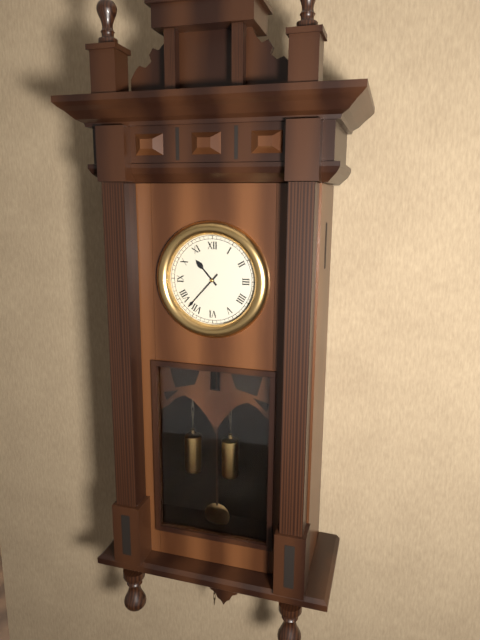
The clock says {"hour": 10, "minute": 37}
